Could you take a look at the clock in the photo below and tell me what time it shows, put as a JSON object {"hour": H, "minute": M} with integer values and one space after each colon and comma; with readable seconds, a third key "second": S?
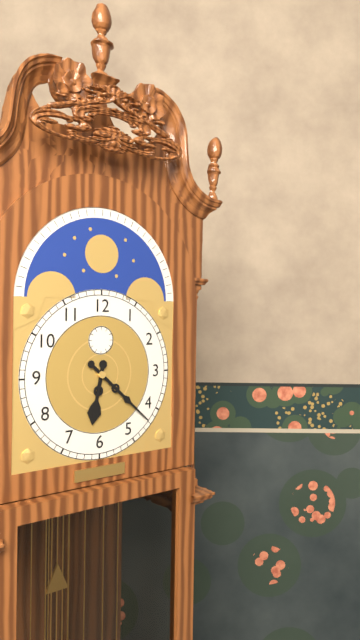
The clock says {"hour": 6, "minute": 22}
